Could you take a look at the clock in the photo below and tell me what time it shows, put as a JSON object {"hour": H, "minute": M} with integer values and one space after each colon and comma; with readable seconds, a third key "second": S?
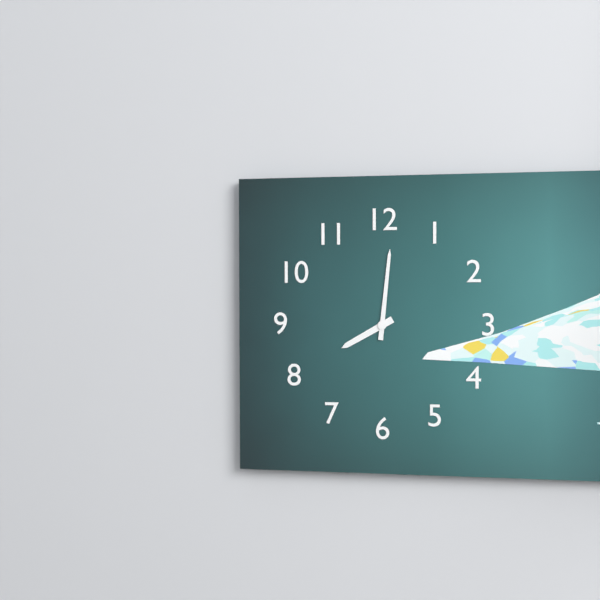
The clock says {"hour": 8, "minute": 1}
